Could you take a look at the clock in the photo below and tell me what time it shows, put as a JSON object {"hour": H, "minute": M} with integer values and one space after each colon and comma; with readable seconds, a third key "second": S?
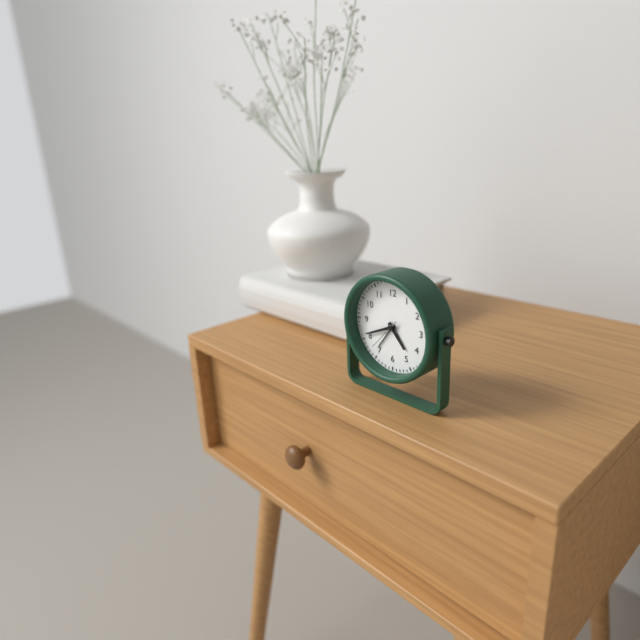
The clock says {"hour": 4, "minute": 41}
